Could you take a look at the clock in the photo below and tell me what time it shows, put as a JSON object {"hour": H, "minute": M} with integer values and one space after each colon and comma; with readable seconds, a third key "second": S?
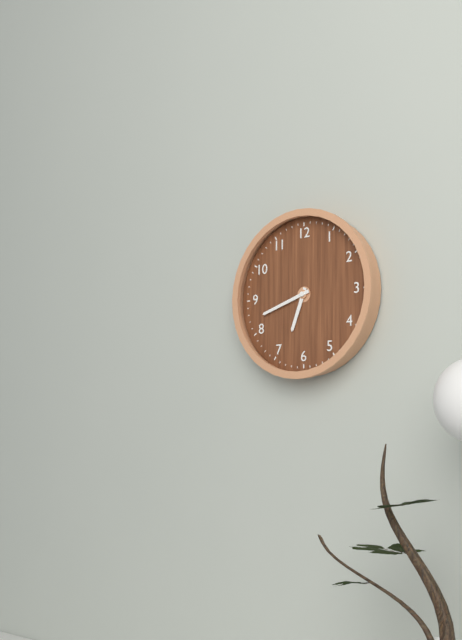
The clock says {"hour": 6, "minute": 42}
